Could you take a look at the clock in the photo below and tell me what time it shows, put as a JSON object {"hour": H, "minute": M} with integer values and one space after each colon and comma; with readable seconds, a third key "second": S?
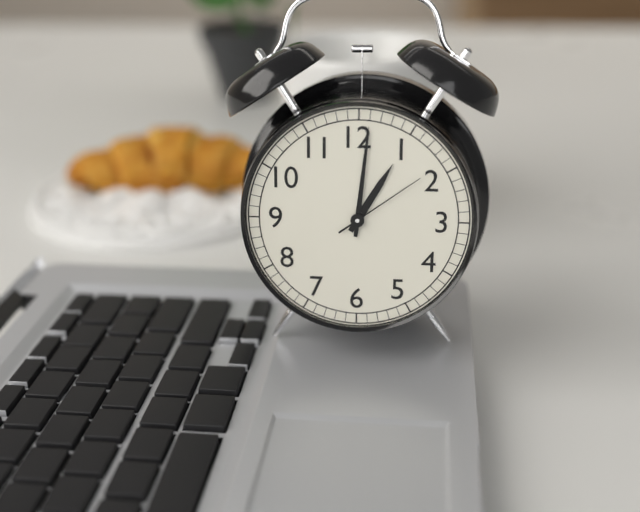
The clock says {"hour": 1, "minute": 1, "second": 9}
